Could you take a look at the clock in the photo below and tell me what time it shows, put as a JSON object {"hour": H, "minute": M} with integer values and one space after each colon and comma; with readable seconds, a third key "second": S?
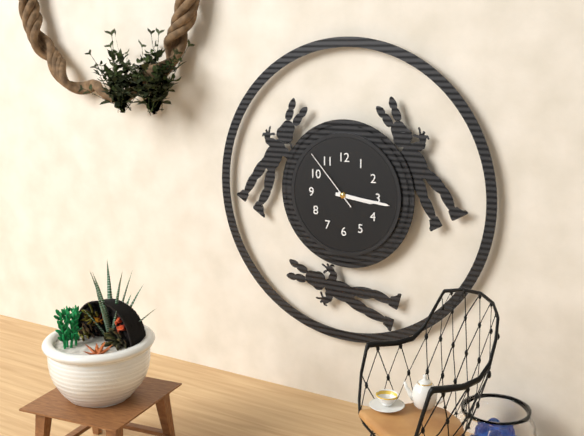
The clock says {"hour": 3, "minute": 16, "second": 53}
